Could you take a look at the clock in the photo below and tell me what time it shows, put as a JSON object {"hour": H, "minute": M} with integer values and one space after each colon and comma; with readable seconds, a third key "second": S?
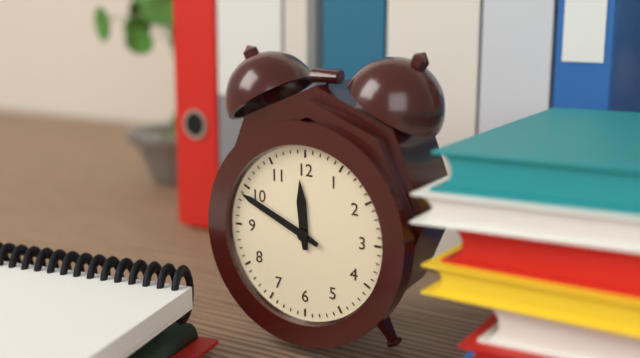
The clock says {"hour": 11, "minute": 49}
